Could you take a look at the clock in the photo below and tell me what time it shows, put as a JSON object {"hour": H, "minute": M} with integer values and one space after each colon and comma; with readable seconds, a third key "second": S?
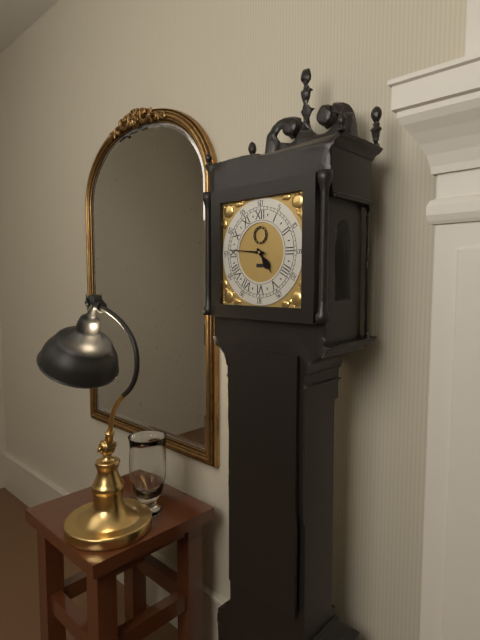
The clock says {"hour": 4, "minute": 46}
